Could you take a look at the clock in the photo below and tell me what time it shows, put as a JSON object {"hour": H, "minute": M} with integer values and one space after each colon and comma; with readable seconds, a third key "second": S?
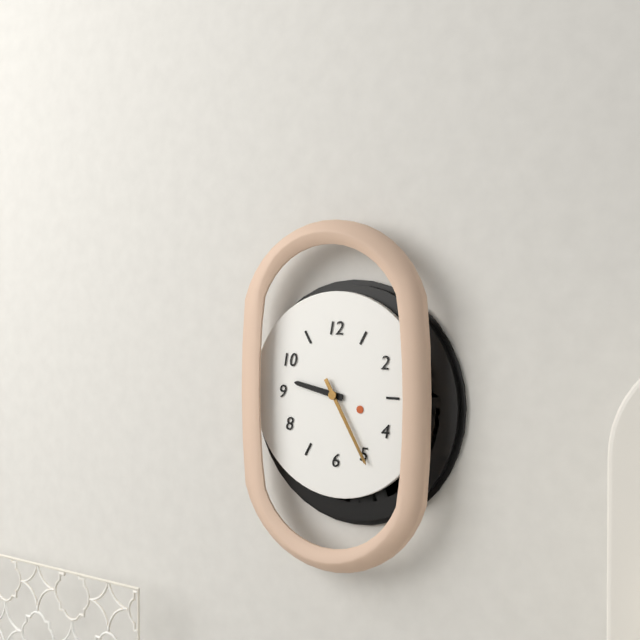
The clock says {"hour": 9, "minute": 25}
